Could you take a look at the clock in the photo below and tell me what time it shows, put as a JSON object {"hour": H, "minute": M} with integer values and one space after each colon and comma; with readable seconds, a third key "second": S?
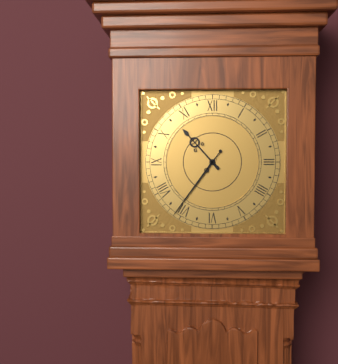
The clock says {"hour": 10, "minute": 36}
